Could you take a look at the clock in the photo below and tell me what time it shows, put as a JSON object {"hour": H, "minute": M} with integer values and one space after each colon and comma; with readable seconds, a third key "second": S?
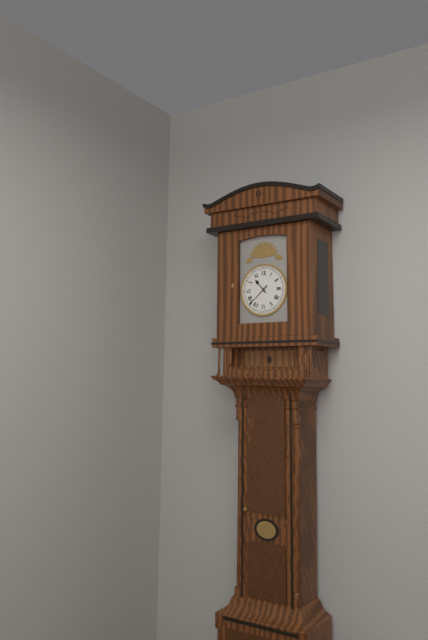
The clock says {"hour": 10, "minute": 38}
